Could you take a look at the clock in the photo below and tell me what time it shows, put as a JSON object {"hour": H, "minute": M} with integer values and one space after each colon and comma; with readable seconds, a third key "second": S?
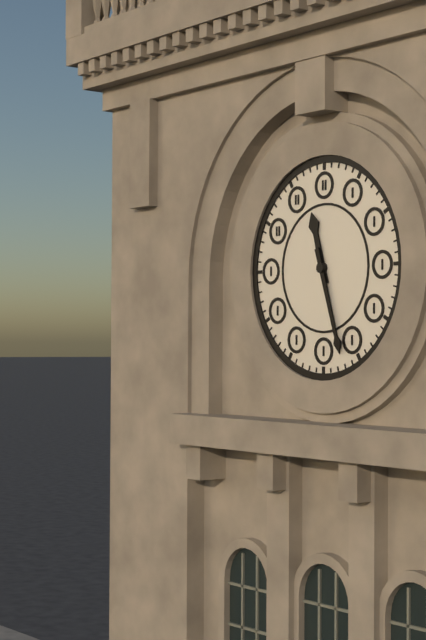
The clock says {"hour": 11, "minute": 27}
